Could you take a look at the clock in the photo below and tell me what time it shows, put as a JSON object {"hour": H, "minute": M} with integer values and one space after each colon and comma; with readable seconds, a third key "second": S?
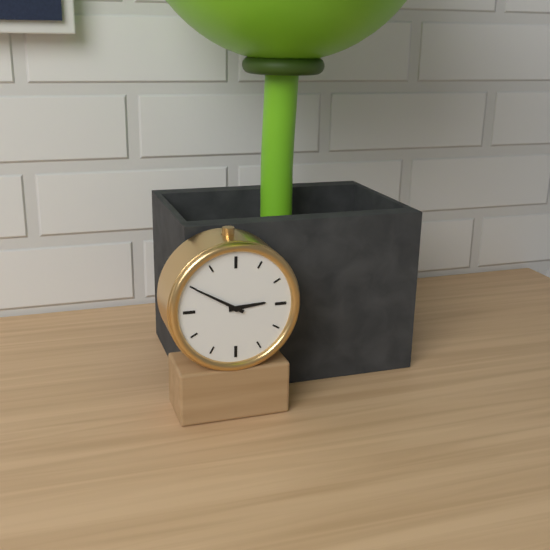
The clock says {"hour": 2, "minute": 50}
